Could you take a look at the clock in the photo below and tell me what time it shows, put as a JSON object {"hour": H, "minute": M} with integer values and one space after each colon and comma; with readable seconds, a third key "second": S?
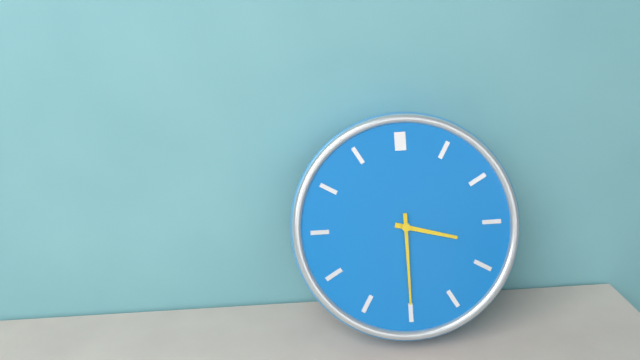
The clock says {"hour": 3, "minute": 30}
